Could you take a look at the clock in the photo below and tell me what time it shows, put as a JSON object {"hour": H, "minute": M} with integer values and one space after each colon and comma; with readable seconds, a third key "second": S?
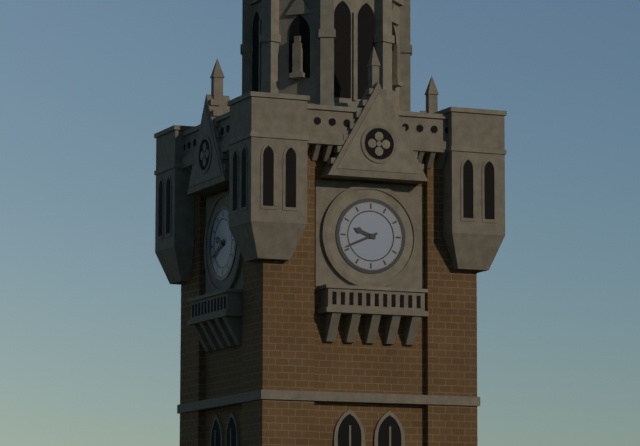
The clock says {"hour": 9, "minute": 41}
